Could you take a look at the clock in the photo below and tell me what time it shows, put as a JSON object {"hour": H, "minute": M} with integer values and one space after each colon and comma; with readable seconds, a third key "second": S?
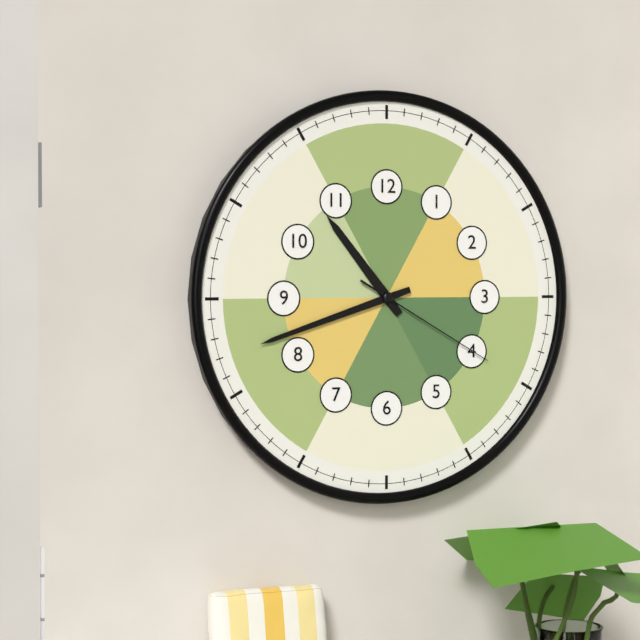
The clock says {"hour": 10, "minute": 42, "second": 20}
